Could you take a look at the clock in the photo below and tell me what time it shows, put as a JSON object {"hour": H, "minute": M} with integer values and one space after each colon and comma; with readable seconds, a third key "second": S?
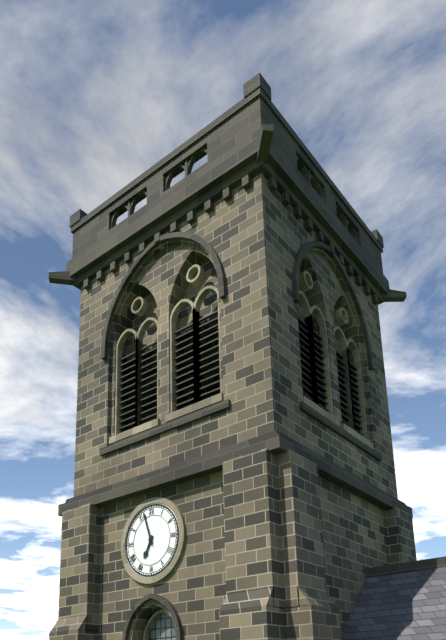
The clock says {"hour": 6, "minute": 57}
